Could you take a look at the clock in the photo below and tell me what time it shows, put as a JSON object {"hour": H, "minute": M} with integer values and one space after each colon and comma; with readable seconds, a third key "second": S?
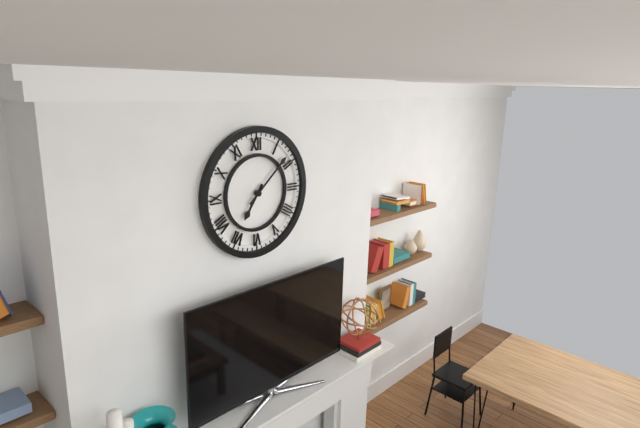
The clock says {"hour": 7, "minute": 8}
